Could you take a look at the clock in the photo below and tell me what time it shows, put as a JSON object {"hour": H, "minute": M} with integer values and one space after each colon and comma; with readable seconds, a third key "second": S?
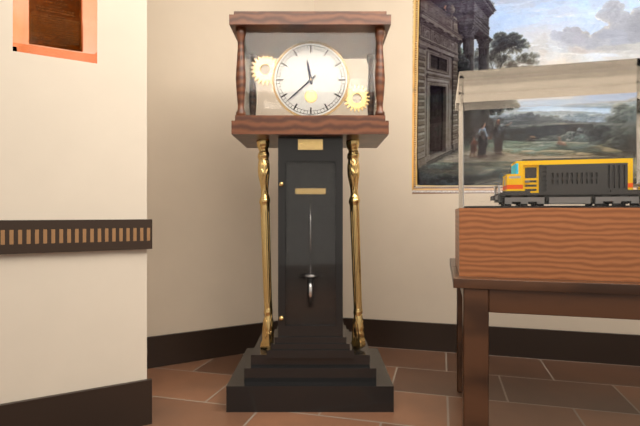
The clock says {"hour": 11, "minute": 38}
